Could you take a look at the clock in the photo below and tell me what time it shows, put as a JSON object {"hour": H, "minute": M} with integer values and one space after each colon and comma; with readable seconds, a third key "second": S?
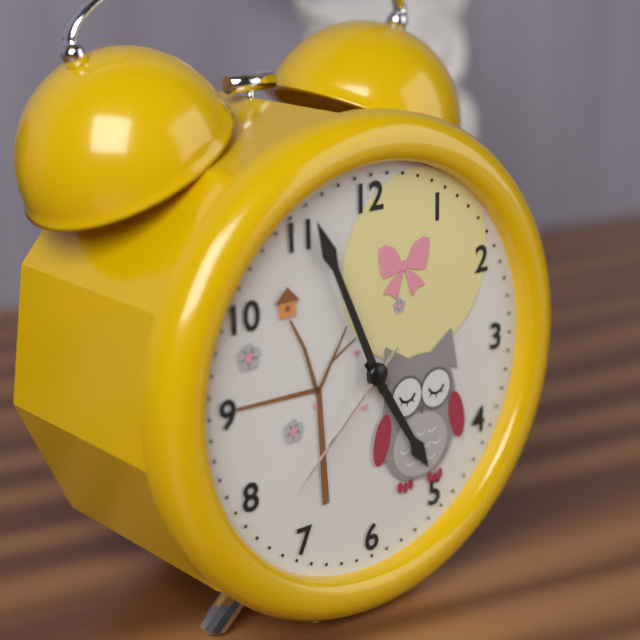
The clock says {"hour": 4, "minute": 56, "second": 38}
